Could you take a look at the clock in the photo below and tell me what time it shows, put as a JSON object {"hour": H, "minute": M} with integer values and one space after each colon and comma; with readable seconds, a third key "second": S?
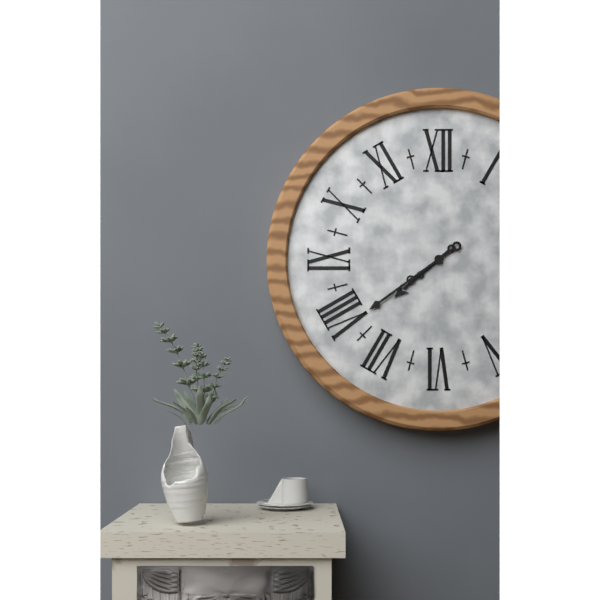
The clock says {"hour": 7, "minute": 39}
